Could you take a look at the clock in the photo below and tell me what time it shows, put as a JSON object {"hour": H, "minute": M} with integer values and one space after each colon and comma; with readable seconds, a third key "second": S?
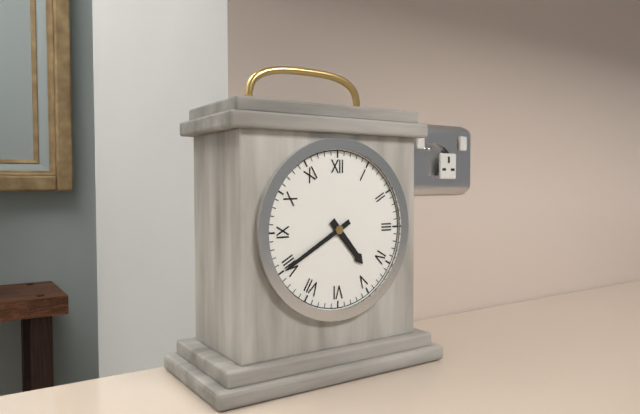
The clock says {"hour": 4, "minute": 40}
